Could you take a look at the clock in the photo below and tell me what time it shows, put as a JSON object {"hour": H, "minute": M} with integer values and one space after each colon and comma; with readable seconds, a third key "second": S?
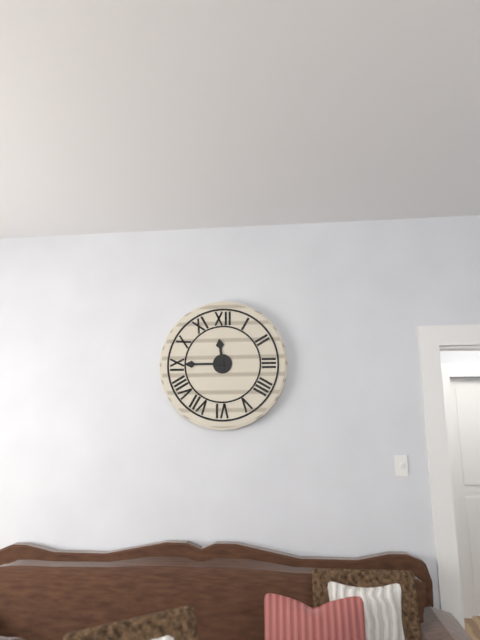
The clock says {"hour": 11, "minute": 45}
